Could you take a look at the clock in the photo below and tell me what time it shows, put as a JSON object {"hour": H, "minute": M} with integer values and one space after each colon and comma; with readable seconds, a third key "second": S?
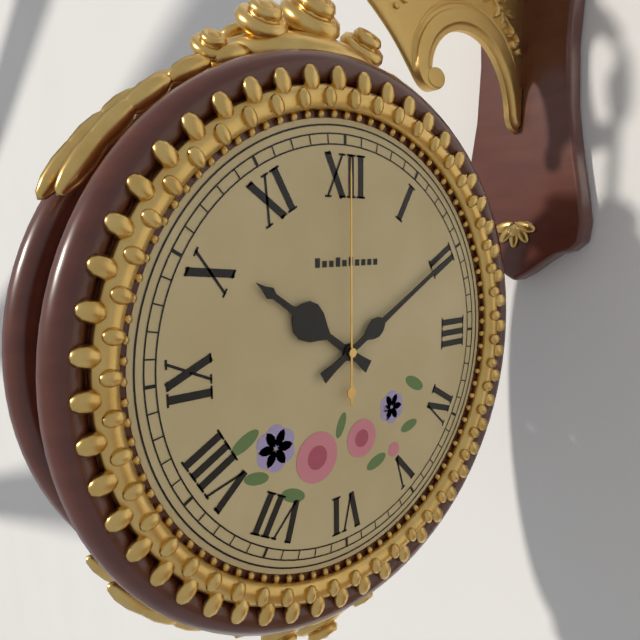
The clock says {"hour": 10, "minute": 10, "second": 0}
